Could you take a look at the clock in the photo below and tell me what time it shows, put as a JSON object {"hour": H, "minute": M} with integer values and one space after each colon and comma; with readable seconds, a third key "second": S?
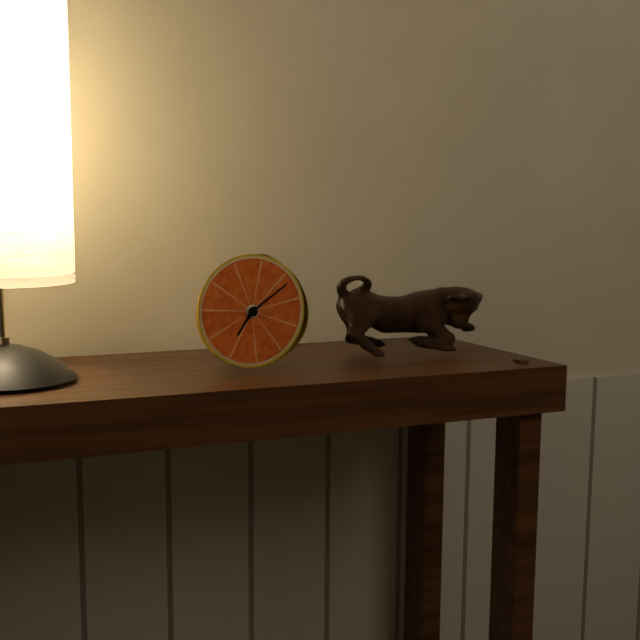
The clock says {"hour": 7, "minute": 9}
